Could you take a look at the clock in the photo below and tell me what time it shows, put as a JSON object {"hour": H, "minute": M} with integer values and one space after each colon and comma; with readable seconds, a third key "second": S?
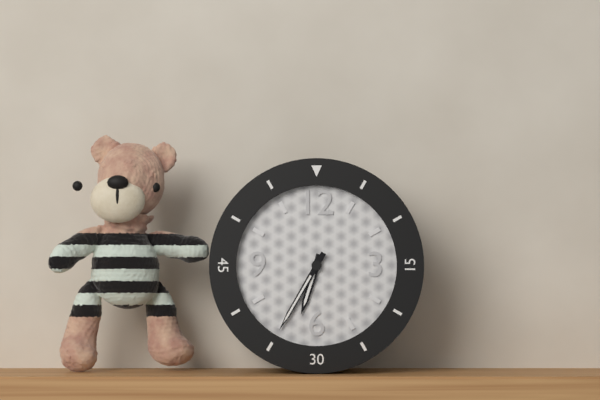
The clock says {"hour": 6, "minute": 35}
